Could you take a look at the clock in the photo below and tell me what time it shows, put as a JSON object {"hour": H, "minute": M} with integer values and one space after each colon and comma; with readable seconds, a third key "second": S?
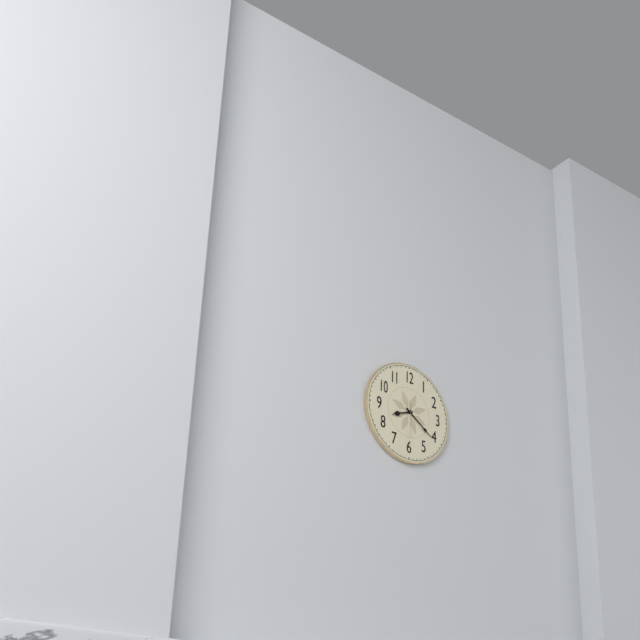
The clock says {"hour": 8, "minute": 21}
